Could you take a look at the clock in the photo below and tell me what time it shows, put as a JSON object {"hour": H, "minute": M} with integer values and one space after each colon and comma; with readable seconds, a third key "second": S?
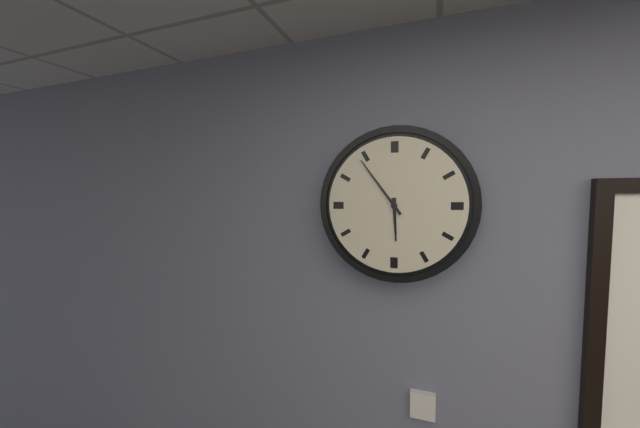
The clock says {"hour": 5, "minute": 54}
